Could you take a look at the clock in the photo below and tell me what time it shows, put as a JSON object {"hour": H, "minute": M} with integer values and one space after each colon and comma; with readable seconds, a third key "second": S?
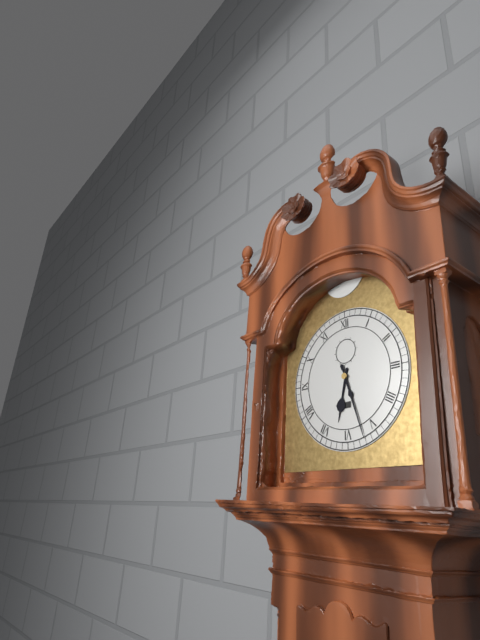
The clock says {"hour": 6, "minute": 27}
